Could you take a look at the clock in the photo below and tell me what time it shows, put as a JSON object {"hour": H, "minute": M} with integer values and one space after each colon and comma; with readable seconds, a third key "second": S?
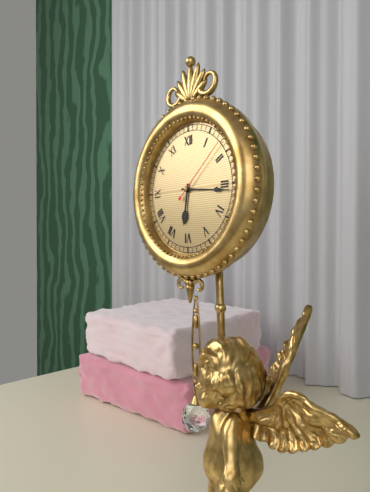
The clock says {"hour": 6, "minute": 16, "second": 8}
